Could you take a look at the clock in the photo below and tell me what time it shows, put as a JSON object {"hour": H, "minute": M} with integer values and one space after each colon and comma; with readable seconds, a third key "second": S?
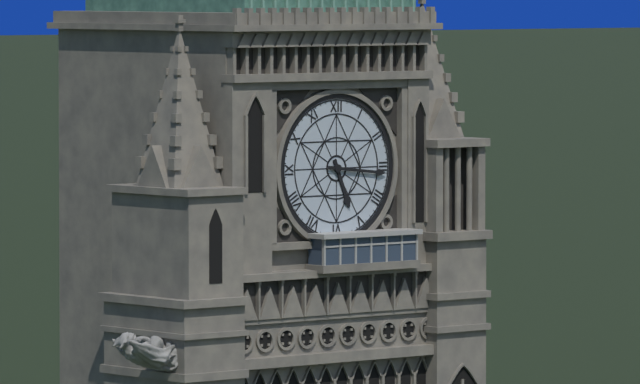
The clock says {"hour": 5, "minute": 16}
